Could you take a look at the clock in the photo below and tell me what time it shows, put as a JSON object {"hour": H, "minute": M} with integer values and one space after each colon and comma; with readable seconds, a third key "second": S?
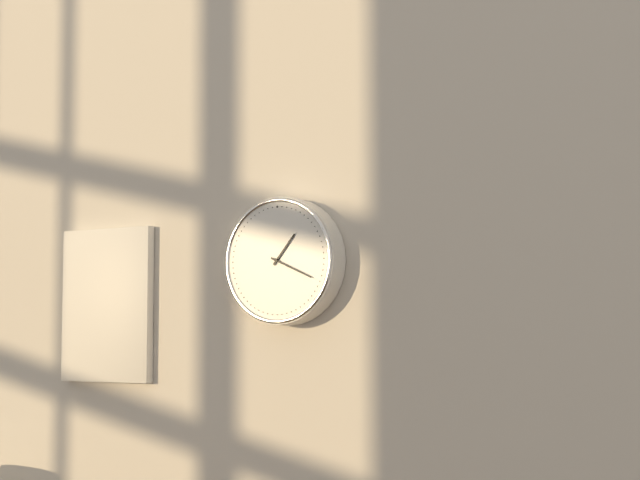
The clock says {"hour": 1, "minute": 19}
